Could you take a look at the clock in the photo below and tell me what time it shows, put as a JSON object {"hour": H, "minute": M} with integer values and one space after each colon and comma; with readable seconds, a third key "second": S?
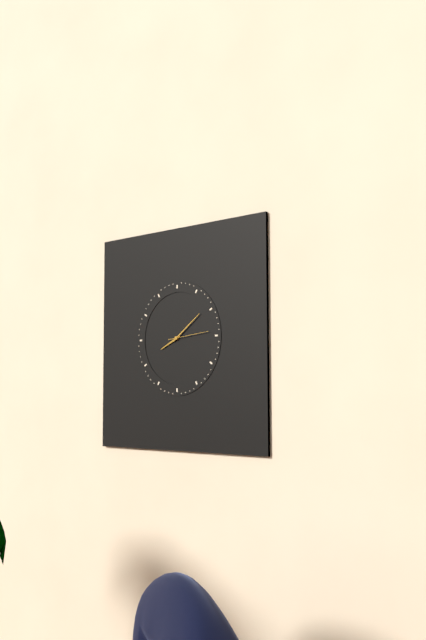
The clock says {"hour": 8, "minute": 9}
